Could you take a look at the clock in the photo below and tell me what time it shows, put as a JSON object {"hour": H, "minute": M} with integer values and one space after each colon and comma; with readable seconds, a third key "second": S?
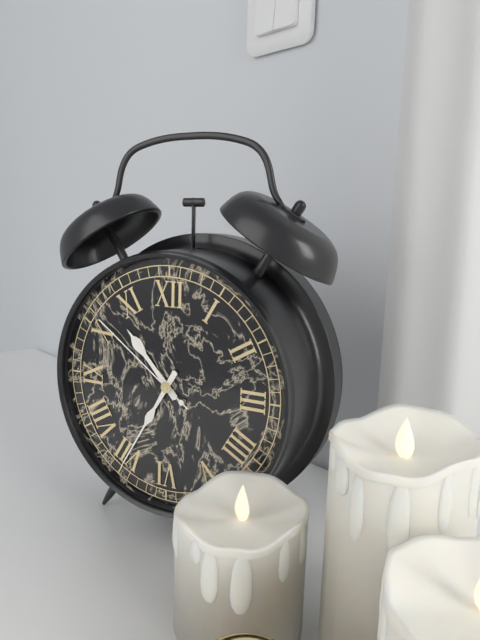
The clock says {"hour": 10, "minute": 35, "second": 51}
